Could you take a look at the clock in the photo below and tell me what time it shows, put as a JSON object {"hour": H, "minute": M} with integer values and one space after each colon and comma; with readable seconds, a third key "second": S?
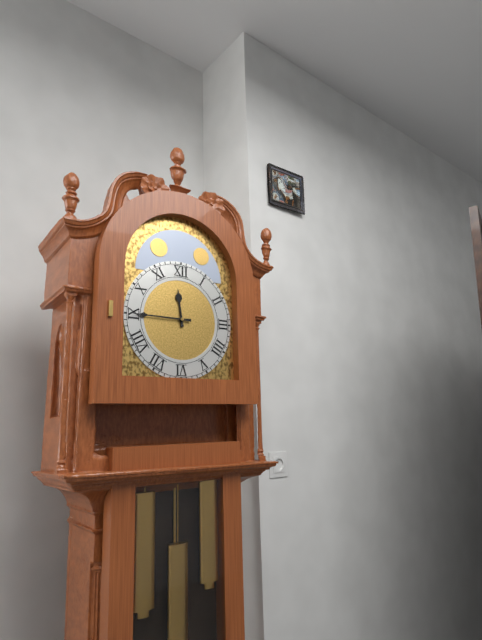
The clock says {"hour": 11, "minute": 45}
